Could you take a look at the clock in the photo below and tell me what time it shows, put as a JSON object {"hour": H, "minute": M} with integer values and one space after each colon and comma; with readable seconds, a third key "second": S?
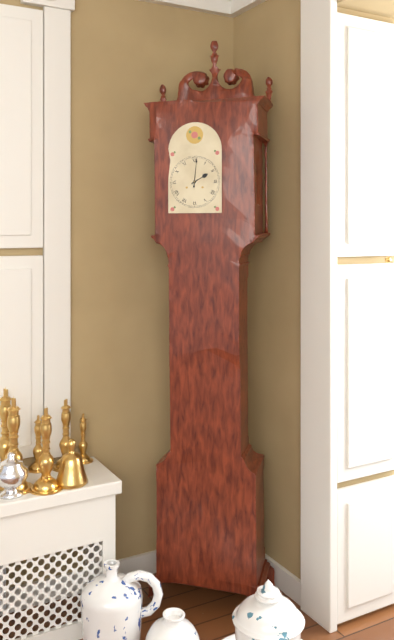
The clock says {"hour": 2, "minute": 1}
